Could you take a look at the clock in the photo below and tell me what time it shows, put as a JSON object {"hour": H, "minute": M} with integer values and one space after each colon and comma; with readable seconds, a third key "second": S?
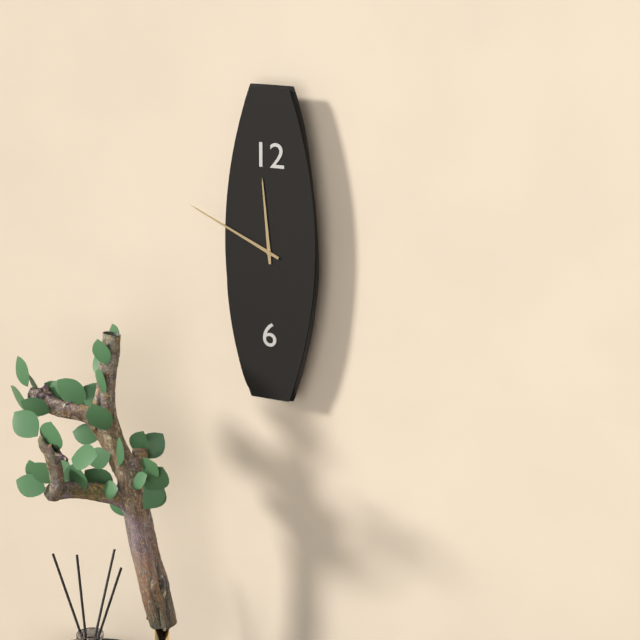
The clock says {"hour": 11, "minute": 49}
